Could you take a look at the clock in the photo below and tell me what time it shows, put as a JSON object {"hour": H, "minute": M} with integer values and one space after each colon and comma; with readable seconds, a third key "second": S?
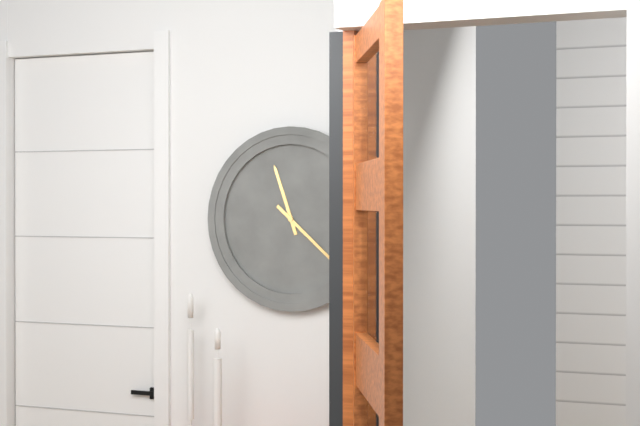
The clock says {"hour": 11, "minute": 22}
